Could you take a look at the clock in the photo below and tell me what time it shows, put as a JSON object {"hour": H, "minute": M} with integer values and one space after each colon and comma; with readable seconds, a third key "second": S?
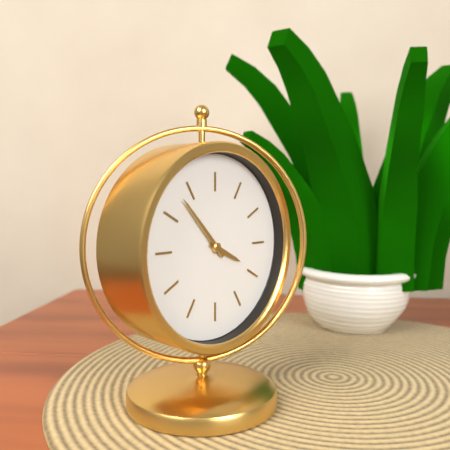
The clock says {"hour": 3, "minute": 53}
